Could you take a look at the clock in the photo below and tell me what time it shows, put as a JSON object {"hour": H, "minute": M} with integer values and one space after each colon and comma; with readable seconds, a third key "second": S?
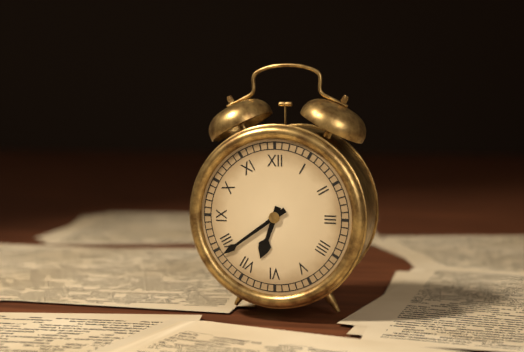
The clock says {"hour": 6, "minute": 39}
